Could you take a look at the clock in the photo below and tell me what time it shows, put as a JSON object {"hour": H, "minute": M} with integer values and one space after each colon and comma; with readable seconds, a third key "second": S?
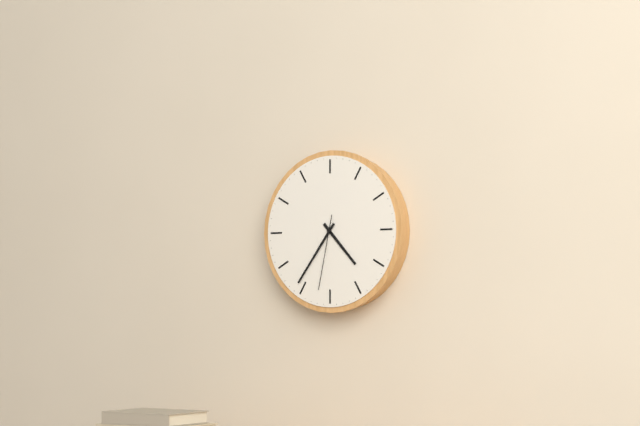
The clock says {"hour": 4, "minute": 36, "second": 32}
